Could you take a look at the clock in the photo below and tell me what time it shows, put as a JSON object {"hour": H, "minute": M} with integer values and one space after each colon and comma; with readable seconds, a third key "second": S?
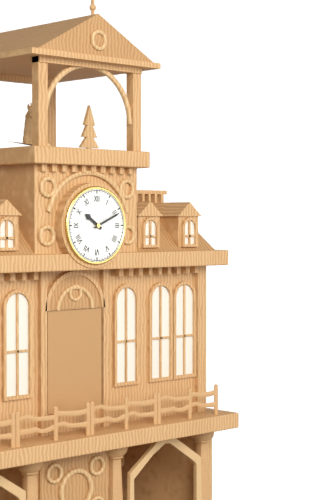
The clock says {"hour": 10, "minute": 11}
